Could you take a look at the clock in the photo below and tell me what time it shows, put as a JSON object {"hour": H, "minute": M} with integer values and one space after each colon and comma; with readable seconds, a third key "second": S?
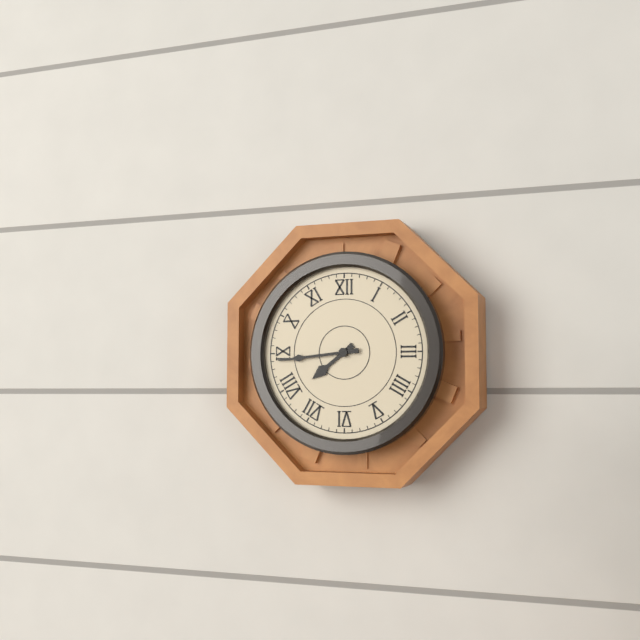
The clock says {"hour": 7, "minute": 44}
